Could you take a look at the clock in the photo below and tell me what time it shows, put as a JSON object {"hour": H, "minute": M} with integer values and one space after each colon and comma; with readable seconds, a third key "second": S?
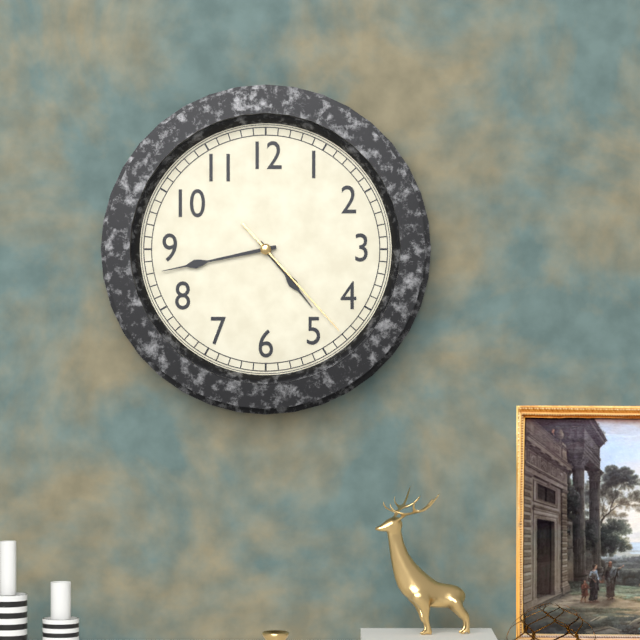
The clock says {"hour": 4, "minute": 43, "second": 23}
